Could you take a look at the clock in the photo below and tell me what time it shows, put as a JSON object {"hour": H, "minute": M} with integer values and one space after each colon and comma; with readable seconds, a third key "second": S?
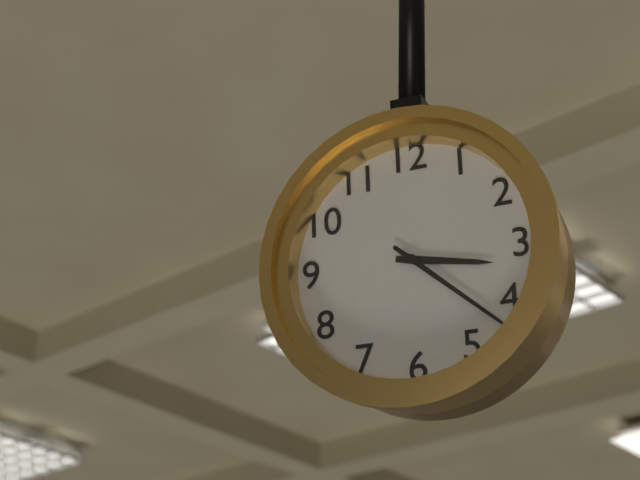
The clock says {"hour": 3, "minute": 22}
